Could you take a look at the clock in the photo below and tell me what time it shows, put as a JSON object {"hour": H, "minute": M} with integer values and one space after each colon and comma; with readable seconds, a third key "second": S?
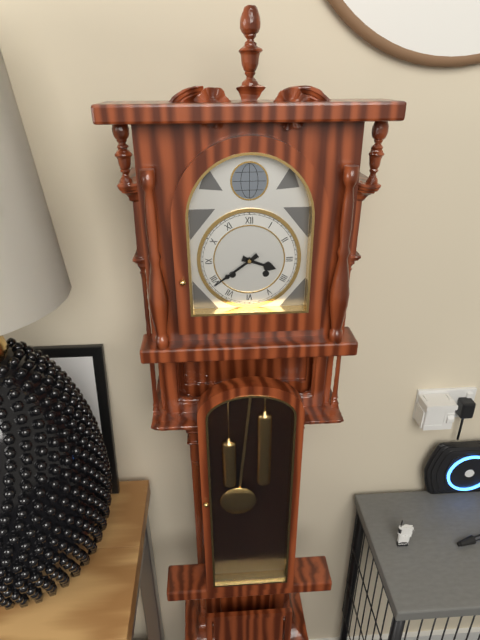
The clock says {"hour": 3, "minute": 39}
